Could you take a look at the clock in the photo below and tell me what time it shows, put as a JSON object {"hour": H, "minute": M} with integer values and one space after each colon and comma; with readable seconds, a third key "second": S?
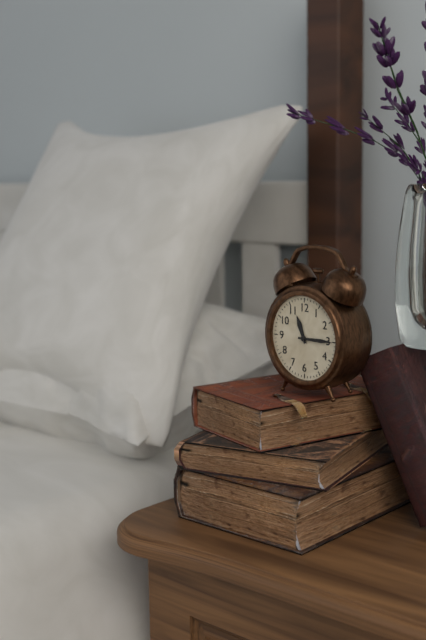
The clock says {"hour": 11, "minute": 15}
